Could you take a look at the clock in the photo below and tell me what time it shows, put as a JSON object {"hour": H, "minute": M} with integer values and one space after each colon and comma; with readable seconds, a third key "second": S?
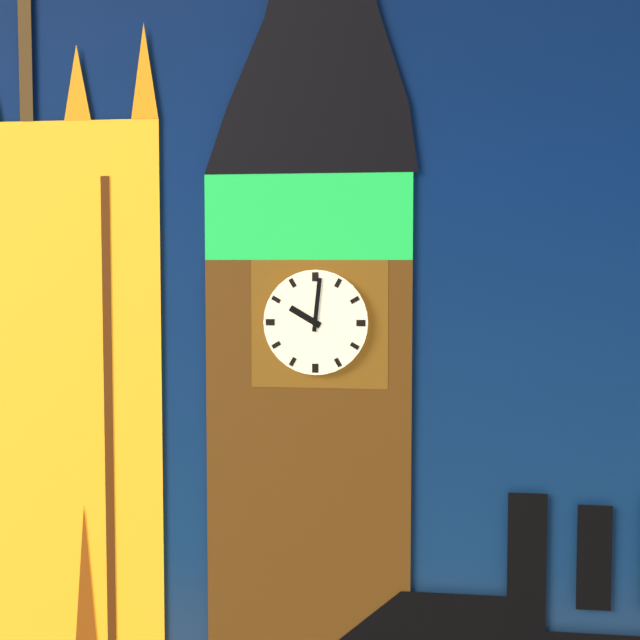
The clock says {"hour": 10, "minute": 1}
